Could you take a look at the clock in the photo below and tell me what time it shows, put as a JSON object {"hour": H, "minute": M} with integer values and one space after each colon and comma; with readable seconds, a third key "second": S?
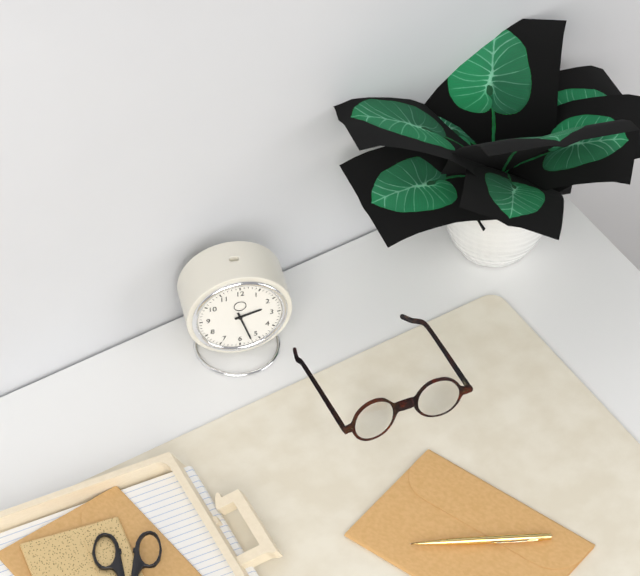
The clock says {"hour": 2, "minute": 27}
